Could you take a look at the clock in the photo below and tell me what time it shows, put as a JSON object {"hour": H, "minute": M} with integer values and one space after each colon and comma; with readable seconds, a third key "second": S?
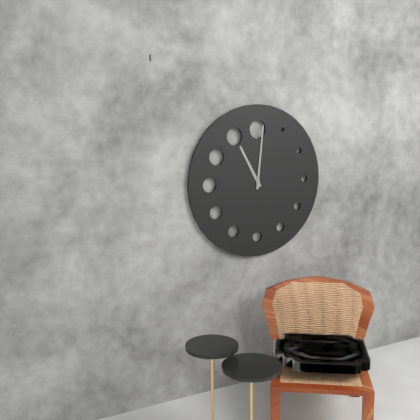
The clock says {"hour": 11, "minute": 1}
